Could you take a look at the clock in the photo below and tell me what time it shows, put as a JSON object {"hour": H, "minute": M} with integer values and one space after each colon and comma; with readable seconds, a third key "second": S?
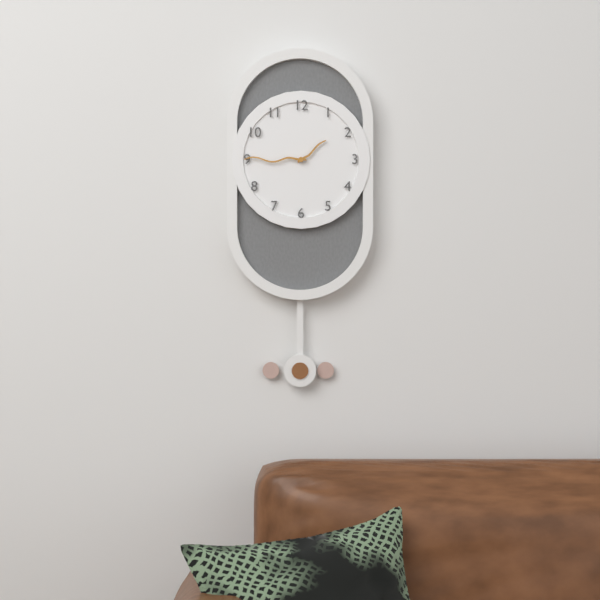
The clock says {"hour": 1, "minute": 45}
